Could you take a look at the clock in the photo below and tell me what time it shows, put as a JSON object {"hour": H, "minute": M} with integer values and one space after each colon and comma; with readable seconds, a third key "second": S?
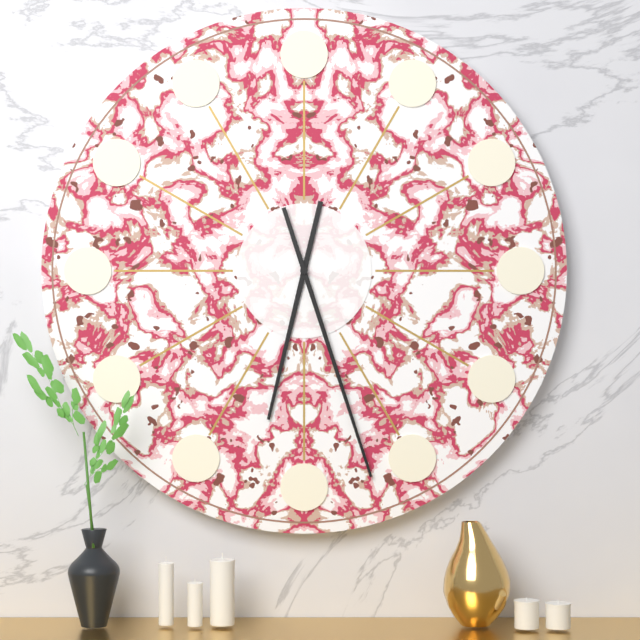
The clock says {"hour": 6, "minute": 27}
